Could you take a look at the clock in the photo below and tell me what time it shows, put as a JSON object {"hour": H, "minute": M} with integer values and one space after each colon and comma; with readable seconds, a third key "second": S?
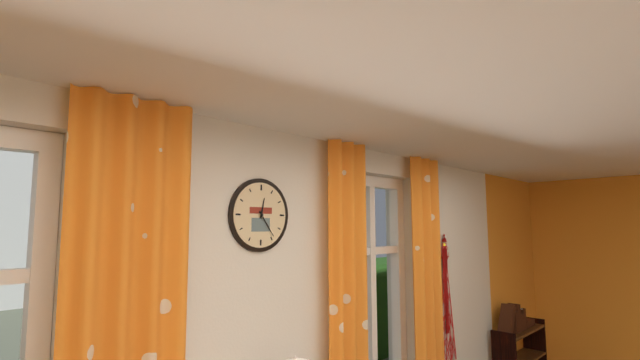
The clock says {"hour": 12, "minute": 24}
